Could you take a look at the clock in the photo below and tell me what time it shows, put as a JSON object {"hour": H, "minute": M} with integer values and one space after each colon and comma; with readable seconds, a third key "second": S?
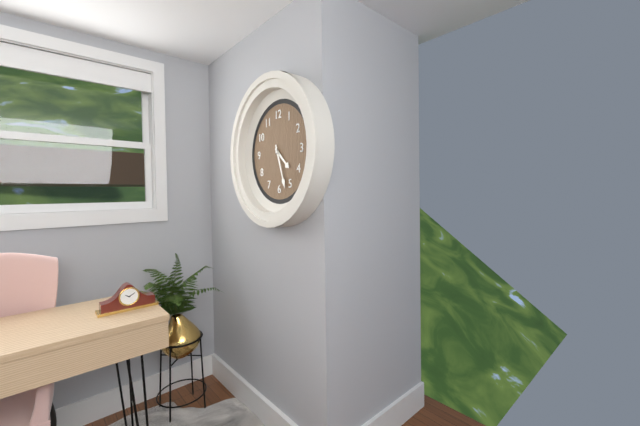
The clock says {"hour": 4, "minute": 27}
